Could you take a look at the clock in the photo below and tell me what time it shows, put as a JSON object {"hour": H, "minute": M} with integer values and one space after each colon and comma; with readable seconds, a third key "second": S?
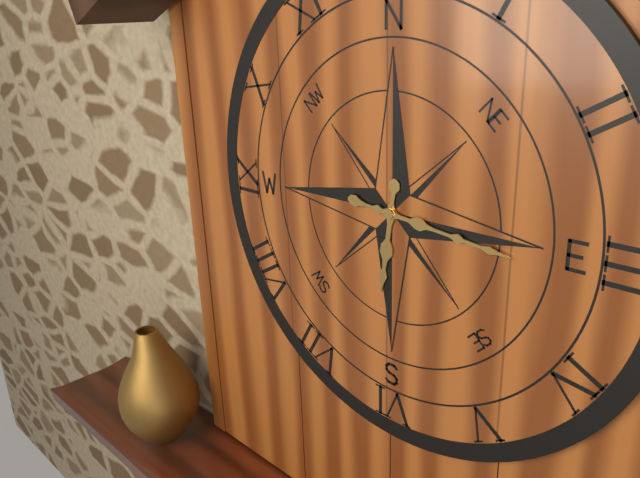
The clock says {"hour": 6, "minute": 16}
